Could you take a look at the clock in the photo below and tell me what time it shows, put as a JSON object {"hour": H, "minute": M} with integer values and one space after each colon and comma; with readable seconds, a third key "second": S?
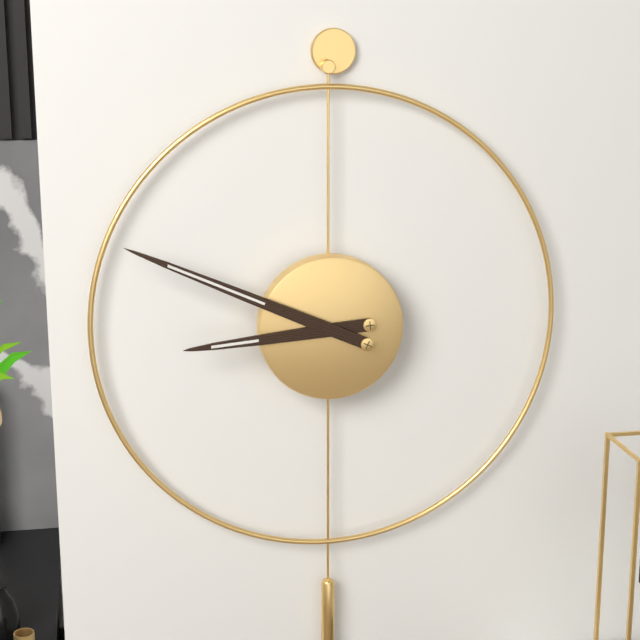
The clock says {"hour": 8, "minute": 49}
